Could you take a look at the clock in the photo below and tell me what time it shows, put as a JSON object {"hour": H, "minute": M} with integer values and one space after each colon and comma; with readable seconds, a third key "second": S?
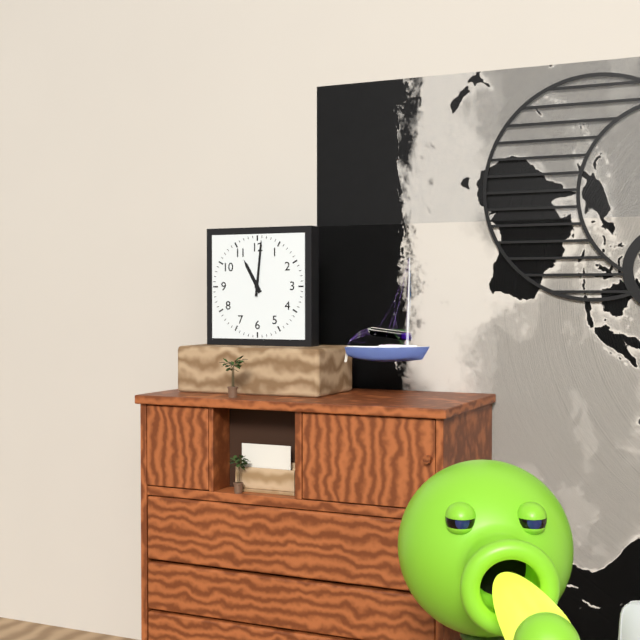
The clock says {"hour": 11, "minute": 1}
